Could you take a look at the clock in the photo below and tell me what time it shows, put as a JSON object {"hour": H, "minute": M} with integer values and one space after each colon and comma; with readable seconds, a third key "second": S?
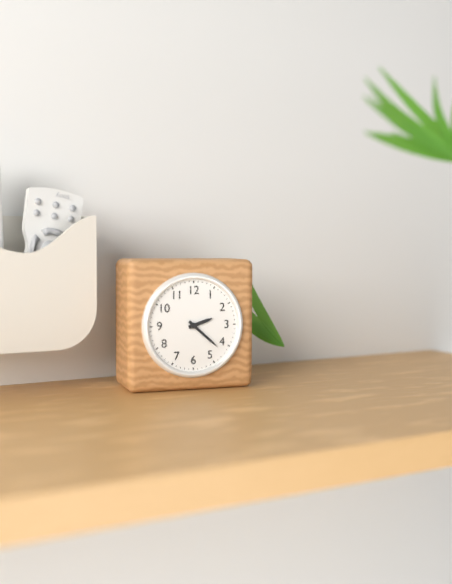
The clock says {"hour": 2, "minute": 22}
